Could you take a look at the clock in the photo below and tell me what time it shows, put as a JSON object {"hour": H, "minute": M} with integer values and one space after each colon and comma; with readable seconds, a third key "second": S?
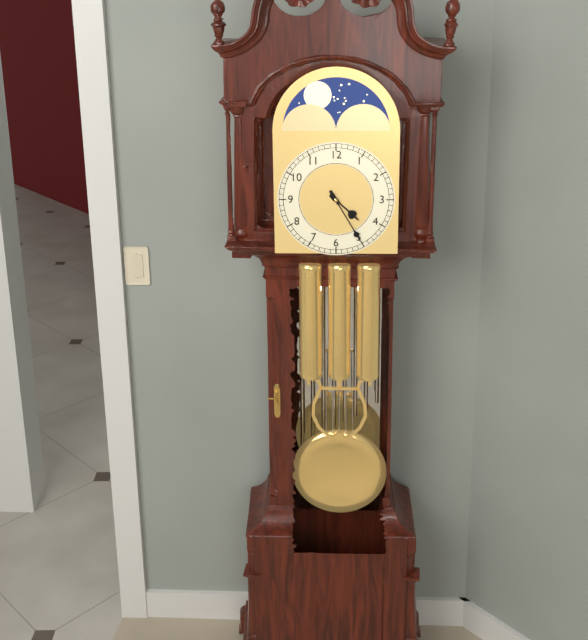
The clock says {"hour": 4, "minute": 25}
